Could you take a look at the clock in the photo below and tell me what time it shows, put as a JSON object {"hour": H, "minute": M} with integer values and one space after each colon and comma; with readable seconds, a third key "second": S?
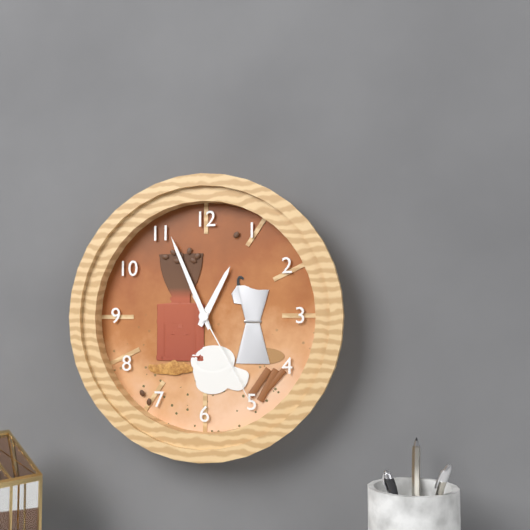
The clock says {"hour": 12, "minute": 56, "second": 25}
